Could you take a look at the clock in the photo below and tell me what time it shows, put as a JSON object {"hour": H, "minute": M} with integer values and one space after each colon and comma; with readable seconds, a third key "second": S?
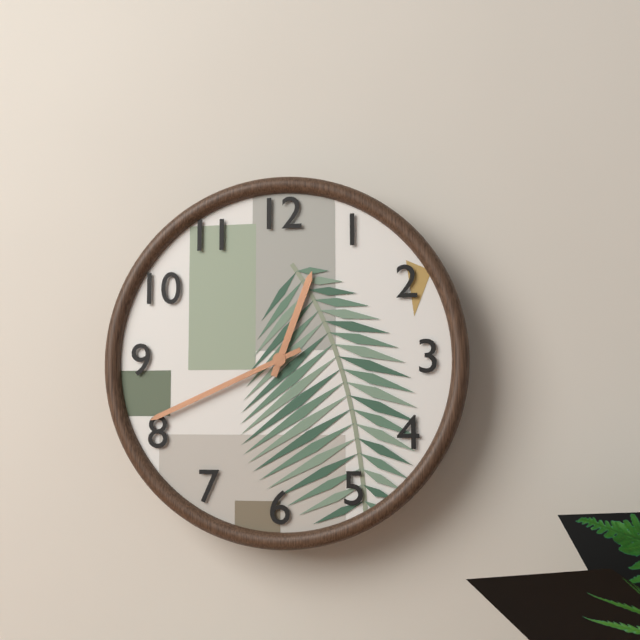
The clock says {"hour": 12, "minute": 41}
